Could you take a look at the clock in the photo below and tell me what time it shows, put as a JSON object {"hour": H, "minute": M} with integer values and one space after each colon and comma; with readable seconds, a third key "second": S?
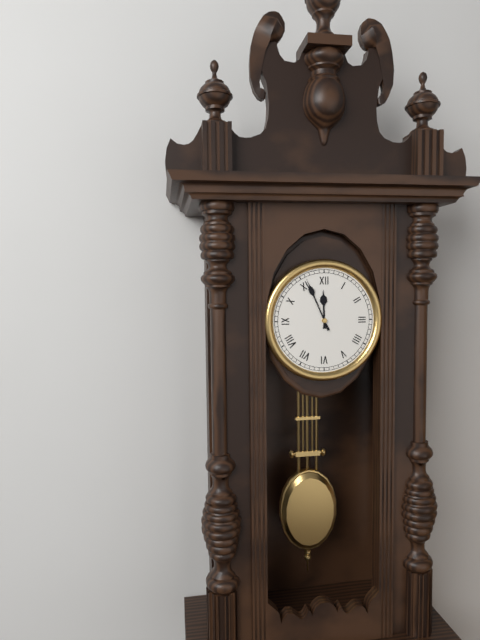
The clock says {"hour": 11, "minute": 56}
